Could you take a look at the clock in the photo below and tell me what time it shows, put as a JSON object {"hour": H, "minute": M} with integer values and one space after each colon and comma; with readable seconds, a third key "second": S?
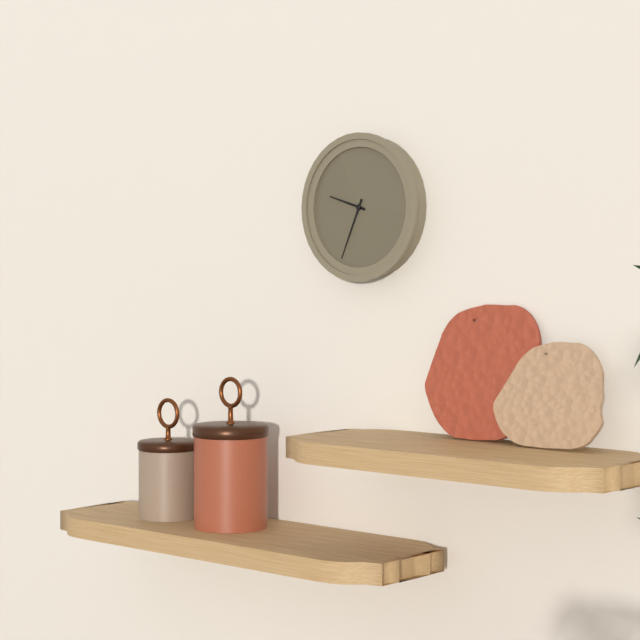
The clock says {"hour": 9, "minute": 34}
